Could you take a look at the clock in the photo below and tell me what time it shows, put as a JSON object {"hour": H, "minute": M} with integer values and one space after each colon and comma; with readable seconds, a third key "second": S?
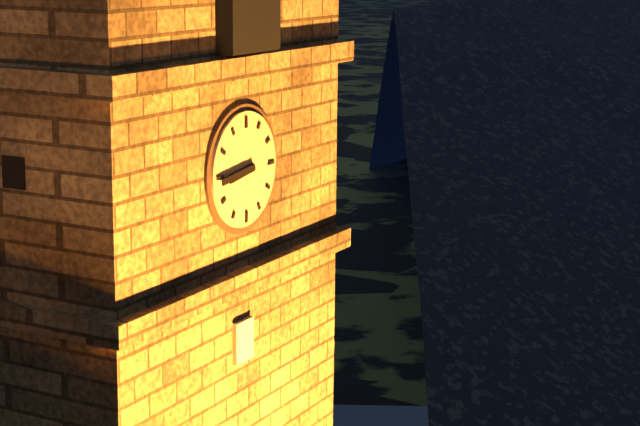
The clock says {"hour": 8, "minute": 44}
